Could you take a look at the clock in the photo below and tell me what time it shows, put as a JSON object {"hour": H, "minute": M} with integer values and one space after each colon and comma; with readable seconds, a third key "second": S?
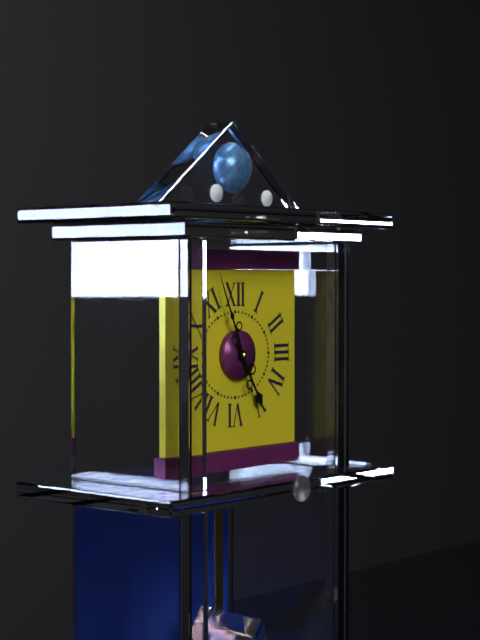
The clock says {"hour": 4, "minute": 56}
